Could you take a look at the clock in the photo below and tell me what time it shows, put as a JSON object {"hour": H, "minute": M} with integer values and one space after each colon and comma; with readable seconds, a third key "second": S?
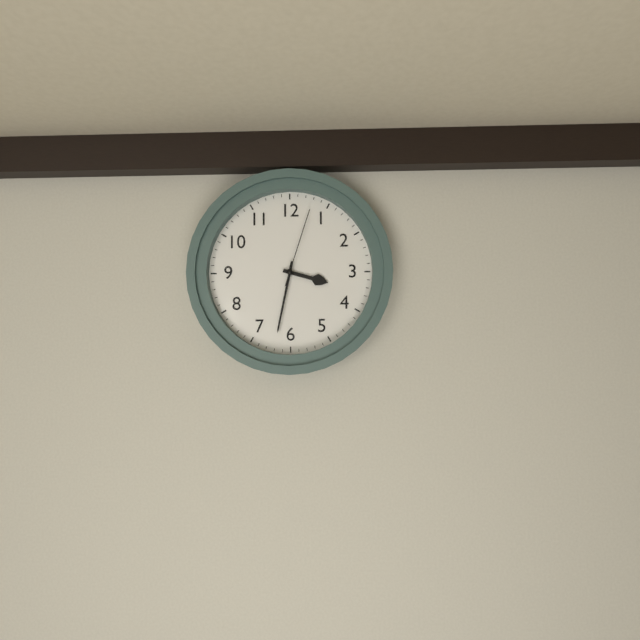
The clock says {"hour": 3, "minute": 32, "second": 3}
